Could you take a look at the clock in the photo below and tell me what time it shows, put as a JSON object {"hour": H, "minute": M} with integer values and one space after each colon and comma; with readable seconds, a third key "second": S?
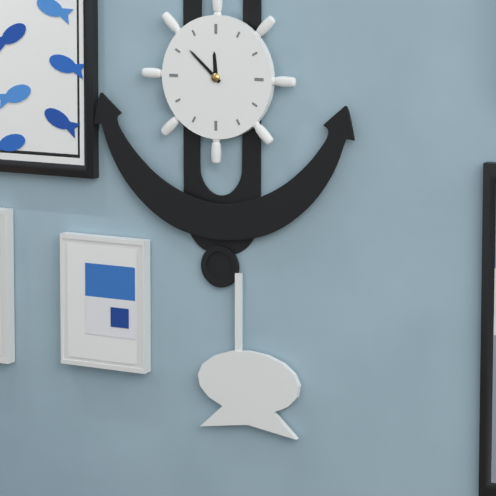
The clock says {"hour": 11, "minute": 52}
